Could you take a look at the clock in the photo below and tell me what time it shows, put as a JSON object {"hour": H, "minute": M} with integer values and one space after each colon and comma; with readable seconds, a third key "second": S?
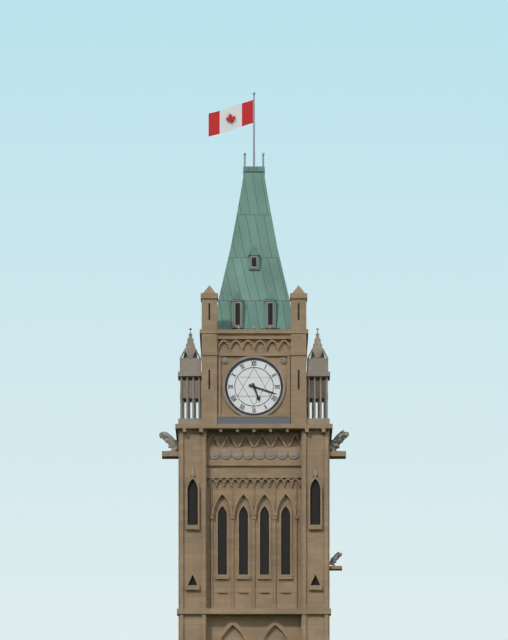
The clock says {"hour": 5, "minute": 18}
